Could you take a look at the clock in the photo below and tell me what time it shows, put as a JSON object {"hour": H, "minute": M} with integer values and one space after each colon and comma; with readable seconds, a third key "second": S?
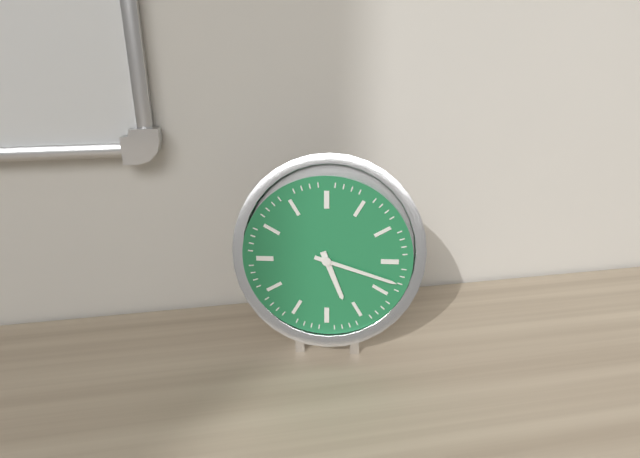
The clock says {"hour": 5, "minute": 18}
